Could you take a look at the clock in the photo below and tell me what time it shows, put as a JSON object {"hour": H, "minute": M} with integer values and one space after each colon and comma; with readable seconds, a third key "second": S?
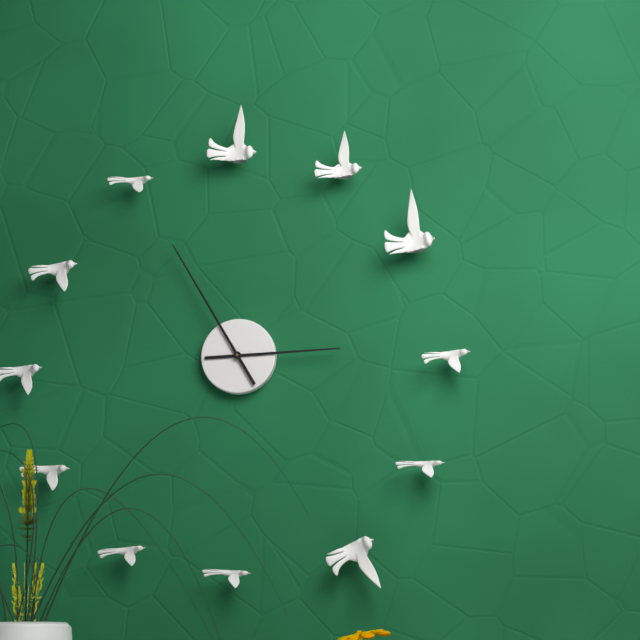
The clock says {"hour": 2, "minute": 55}
